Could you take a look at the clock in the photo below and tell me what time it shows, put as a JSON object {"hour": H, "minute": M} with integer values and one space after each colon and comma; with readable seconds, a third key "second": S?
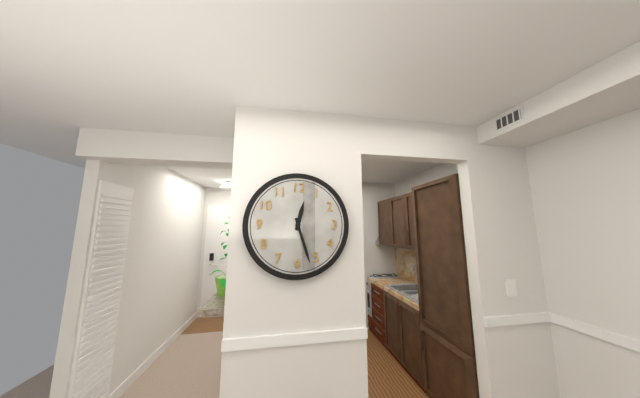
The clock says {"hour": 12, "minute": 27}
